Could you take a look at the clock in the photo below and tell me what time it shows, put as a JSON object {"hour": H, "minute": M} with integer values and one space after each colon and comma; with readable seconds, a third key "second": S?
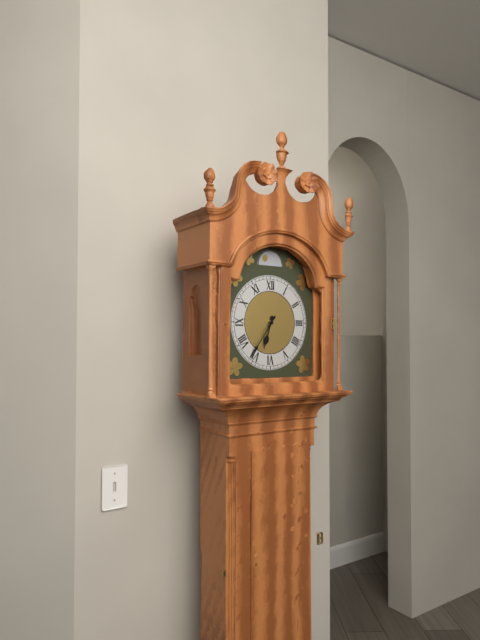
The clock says {"hour": 6, "minute": 36}
